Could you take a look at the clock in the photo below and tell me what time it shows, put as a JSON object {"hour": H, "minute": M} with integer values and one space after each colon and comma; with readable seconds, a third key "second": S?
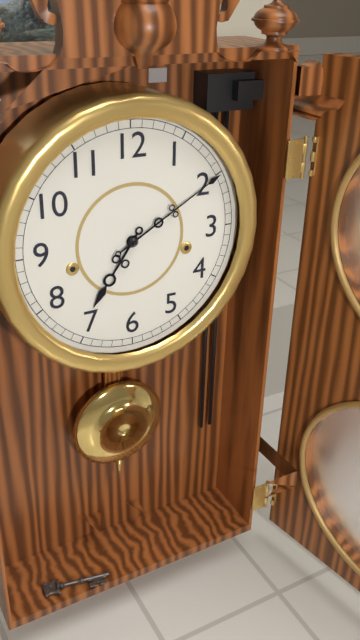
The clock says {"hour": 7, "minute": 10}
